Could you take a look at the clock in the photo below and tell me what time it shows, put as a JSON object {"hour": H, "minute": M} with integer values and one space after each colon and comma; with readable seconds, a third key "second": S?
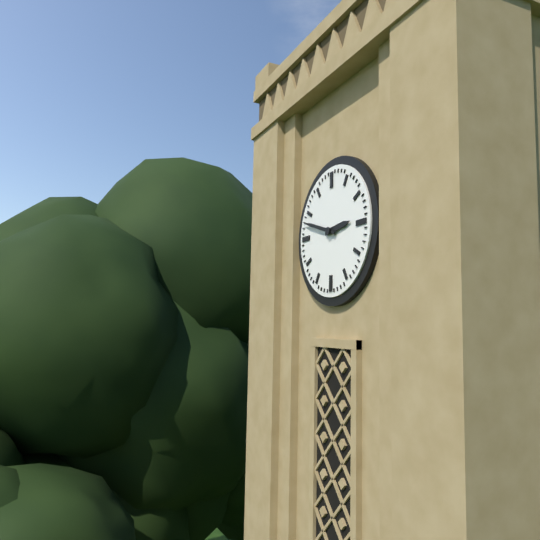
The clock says {"hour": 2, "minute": 48}
